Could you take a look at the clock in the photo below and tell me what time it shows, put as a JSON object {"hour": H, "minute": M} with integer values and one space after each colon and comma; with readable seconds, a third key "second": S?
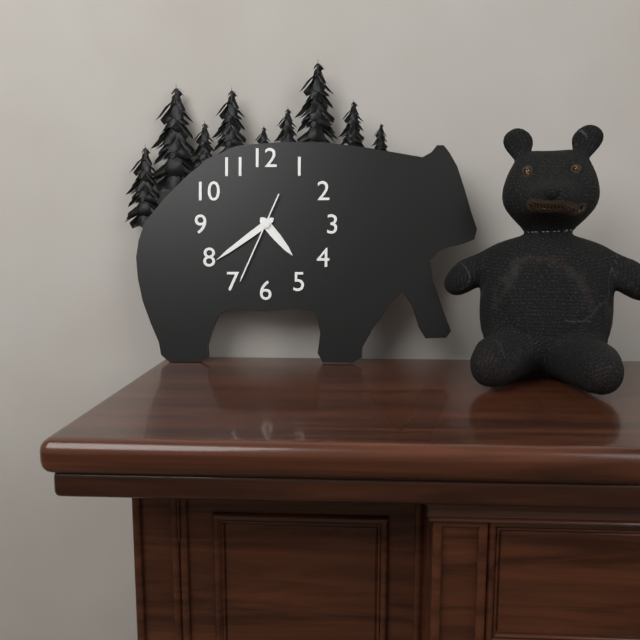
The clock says {"hour": 4, "minute": 39, "second": 34}
